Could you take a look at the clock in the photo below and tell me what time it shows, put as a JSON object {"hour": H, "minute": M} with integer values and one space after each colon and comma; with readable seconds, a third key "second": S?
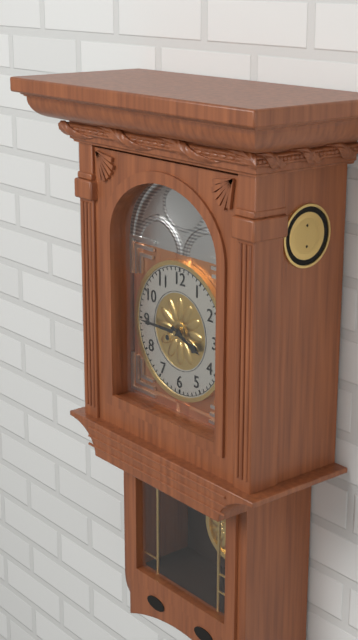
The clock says {"hour": 3, "minute": 45}
